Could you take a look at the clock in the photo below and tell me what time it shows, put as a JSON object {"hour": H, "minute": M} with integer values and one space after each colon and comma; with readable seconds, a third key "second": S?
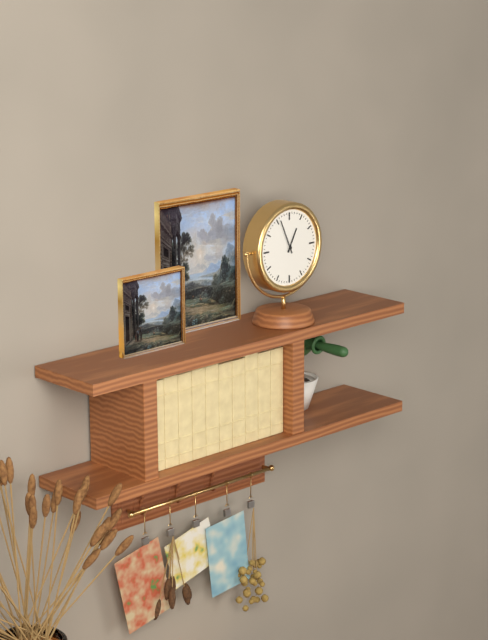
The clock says {"hour": 12, "minute": 56}
